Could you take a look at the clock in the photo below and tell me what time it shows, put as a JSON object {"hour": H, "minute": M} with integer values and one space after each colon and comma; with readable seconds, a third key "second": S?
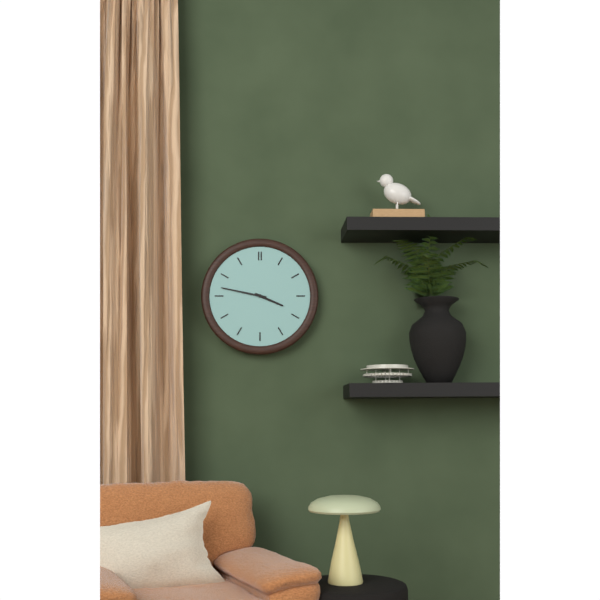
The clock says {"hour": 3, "minute": 47}
